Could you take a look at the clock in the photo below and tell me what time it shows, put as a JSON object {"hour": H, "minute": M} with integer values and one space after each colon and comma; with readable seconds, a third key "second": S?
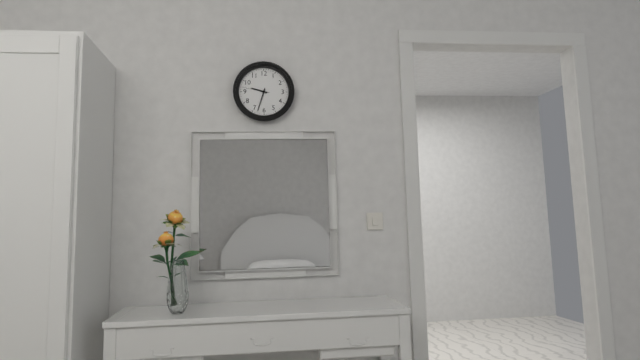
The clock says {"hour": 9, "minute": 33}
